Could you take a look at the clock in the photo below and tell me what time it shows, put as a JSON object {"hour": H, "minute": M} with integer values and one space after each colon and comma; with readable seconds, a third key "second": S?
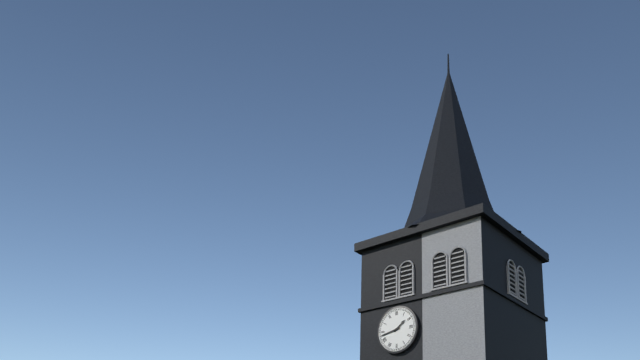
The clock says {"hour": 1, "minute": 43}
